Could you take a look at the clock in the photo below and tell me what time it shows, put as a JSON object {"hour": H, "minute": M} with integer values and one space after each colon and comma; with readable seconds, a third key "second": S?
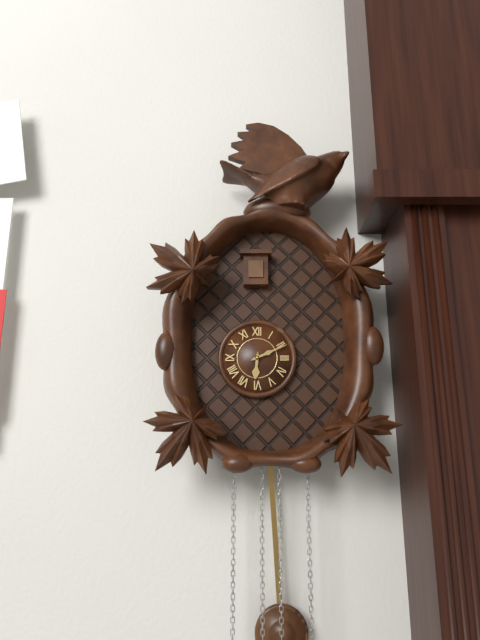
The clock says {"hour": 6, "minute": 11}
